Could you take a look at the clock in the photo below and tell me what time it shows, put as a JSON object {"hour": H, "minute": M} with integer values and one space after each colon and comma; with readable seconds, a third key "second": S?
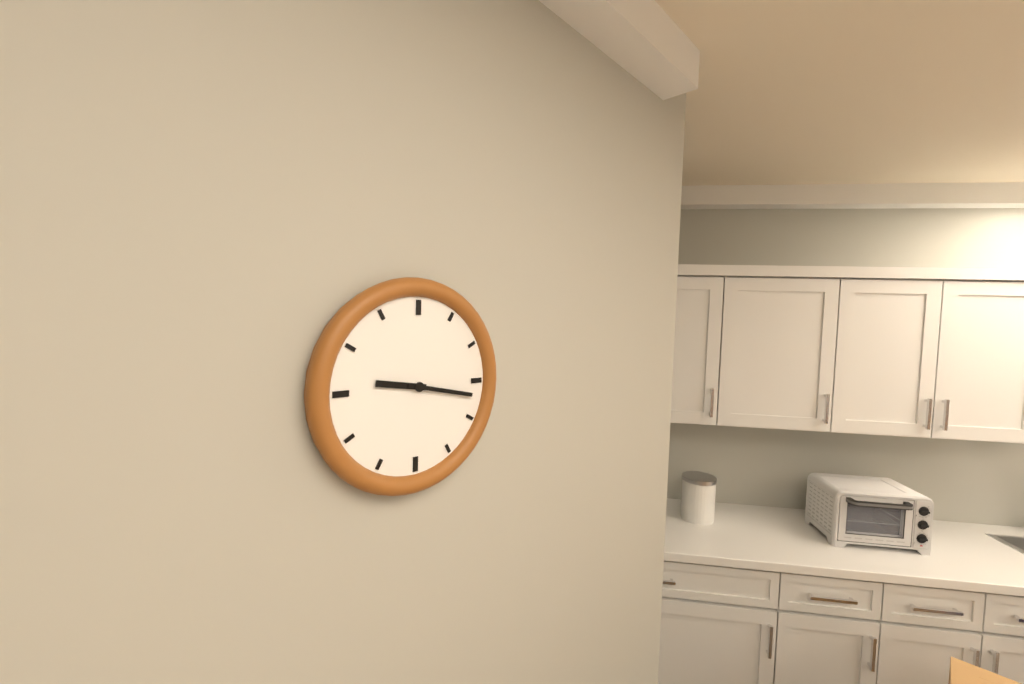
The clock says {"hour": 9, "minute": 17}
